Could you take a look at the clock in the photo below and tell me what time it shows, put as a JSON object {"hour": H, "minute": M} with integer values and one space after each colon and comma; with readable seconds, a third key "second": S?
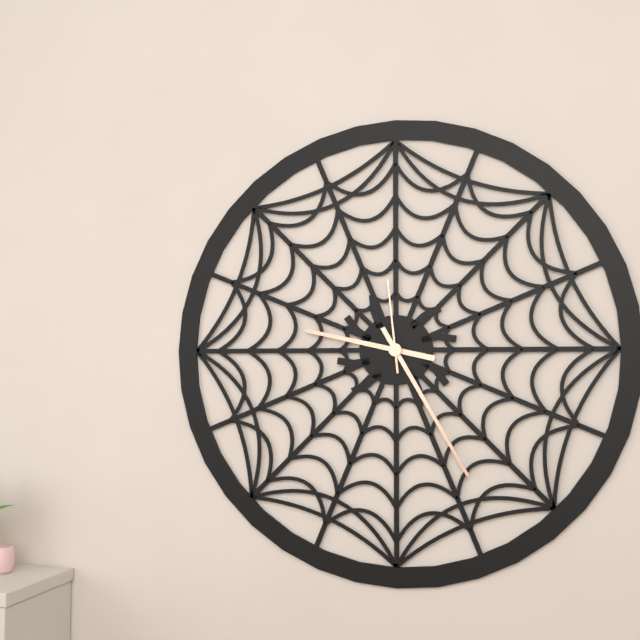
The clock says {"hour": 9, "minute": 25, "second": 59}
